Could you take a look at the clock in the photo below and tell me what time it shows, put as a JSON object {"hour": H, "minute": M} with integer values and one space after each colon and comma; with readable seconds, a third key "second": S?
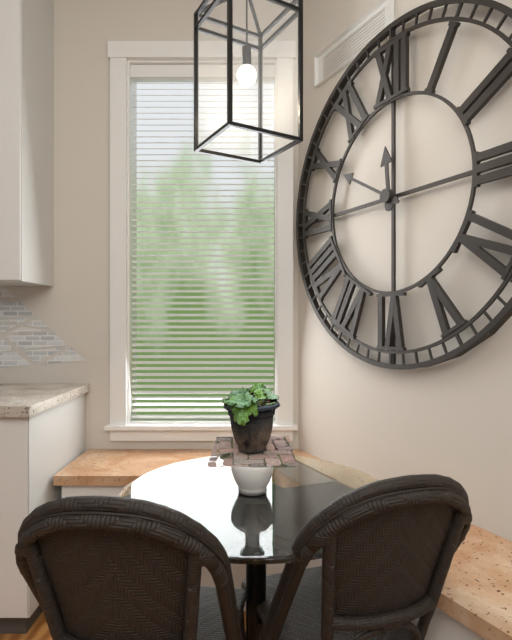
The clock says {"hour": 11, "minute": 50}
